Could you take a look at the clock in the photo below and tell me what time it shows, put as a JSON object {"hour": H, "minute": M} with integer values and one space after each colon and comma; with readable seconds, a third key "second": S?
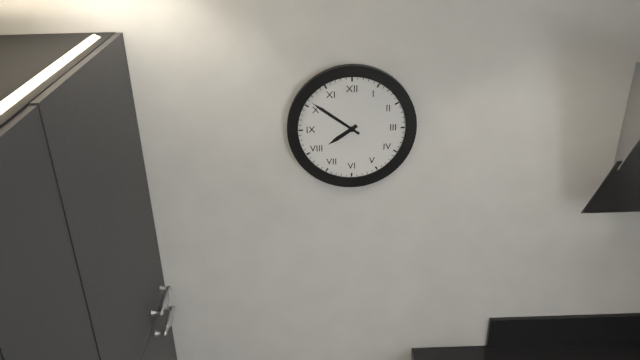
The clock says {"hour": 7, "minute": 51}
